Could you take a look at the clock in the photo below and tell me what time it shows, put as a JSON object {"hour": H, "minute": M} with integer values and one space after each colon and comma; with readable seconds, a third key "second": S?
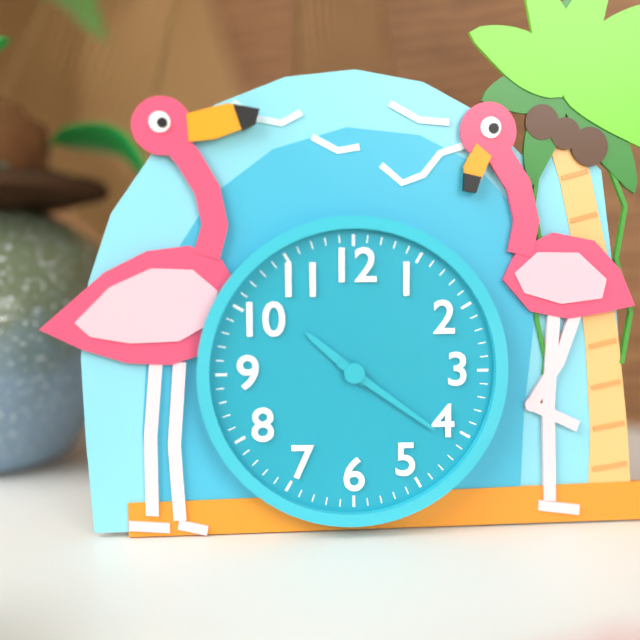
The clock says {"hour": 10, "minute": 21}
